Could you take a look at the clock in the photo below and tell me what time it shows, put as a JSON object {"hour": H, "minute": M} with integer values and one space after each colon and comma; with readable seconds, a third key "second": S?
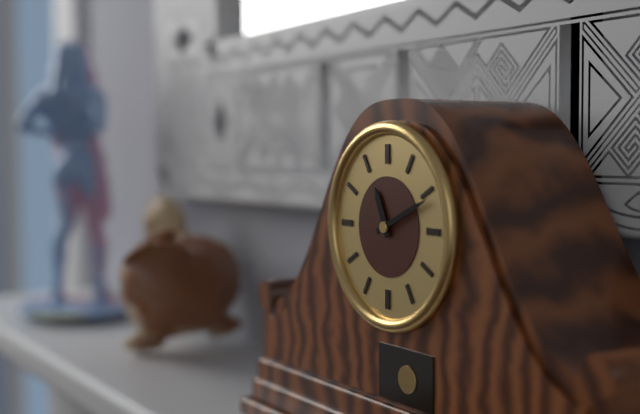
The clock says {"hour": 11, "minute": 11}
